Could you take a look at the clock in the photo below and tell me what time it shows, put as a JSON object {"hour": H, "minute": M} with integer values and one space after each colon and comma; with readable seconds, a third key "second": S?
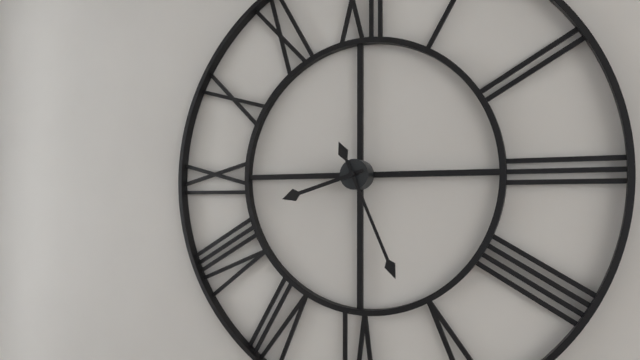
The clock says {"hour": 8, "minute": 26}
